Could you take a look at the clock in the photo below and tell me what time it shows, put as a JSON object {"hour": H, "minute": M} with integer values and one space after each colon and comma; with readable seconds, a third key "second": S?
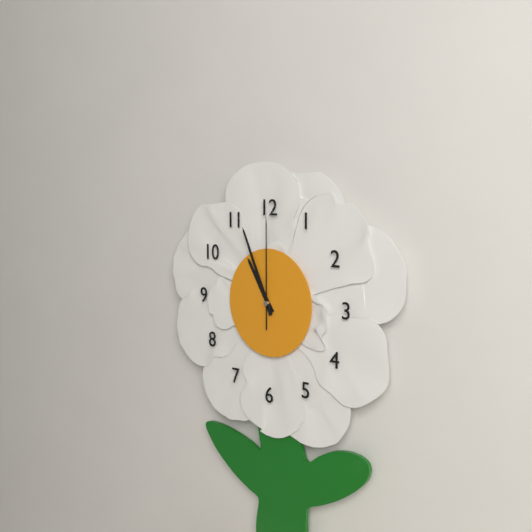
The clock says {"hour": 10, "minute": 56, "second": 0}
